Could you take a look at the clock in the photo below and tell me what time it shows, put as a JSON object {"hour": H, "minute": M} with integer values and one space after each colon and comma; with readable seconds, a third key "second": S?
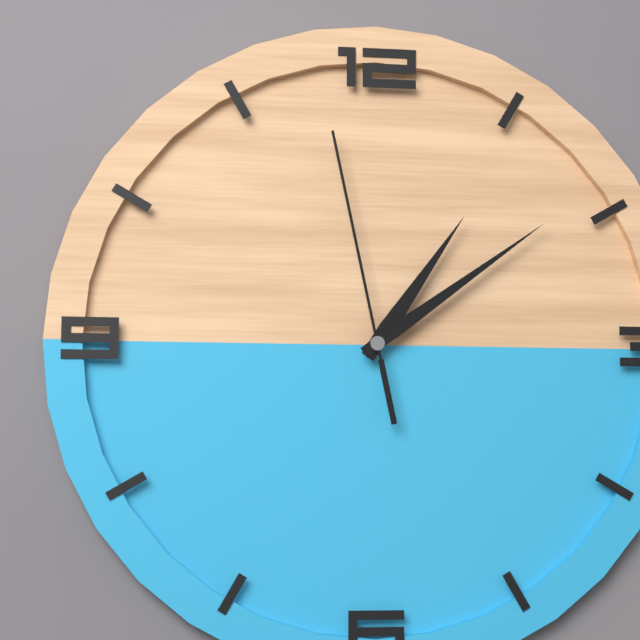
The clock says {"hour": 1, "minute": 9, "second": 58}
